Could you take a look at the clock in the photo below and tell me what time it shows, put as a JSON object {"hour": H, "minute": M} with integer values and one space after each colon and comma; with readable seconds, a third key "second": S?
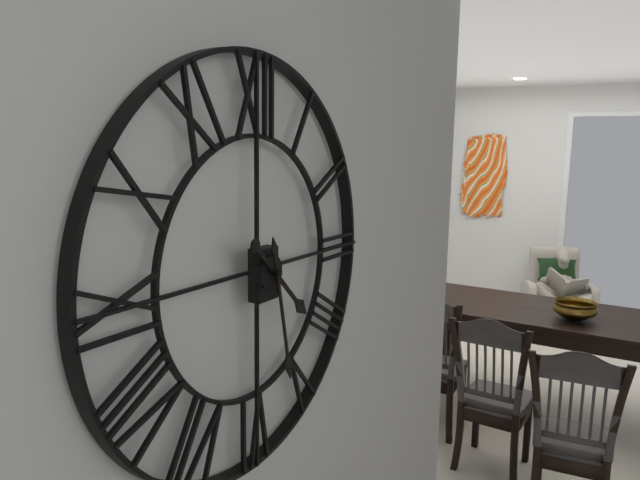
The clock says {"hour": 4, "minute": 28}
